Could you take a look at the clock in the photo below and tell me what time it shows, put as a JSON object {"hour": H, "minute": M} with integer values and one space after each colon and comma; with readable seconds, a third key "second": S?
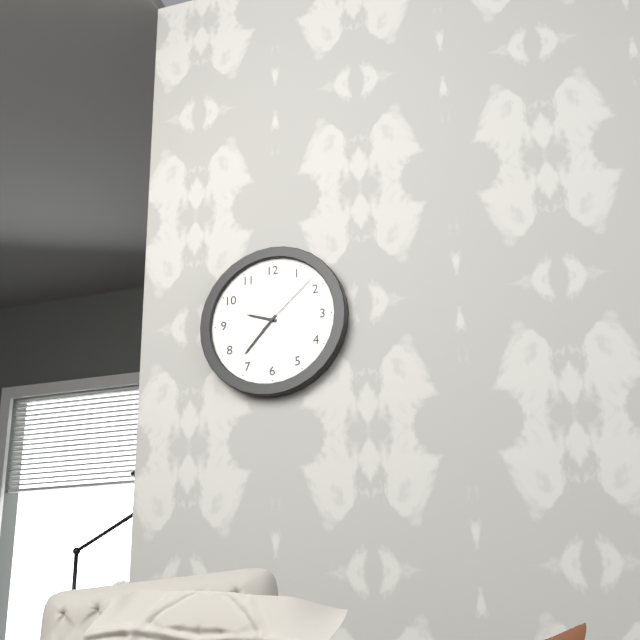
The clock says {"hour": 9, "minute": 37, "second": 8}
